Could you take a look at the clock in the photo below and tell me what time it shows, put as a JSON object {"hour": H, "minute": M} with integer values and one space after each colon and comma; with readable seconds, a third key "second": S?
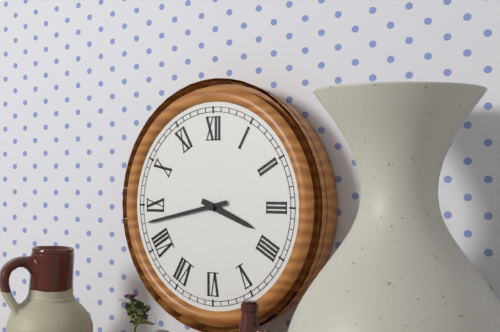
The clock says {"hour": 3, "minute": 43}
